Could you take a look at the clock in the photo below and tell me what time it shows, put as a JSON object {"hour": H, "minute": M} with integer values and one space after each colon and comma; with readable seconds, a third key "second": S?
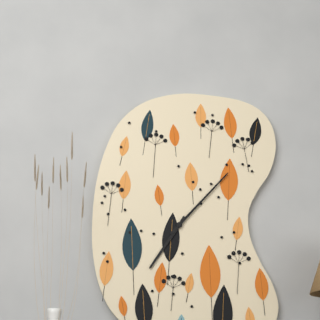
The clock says {"hour": 7, "minute": 7}
